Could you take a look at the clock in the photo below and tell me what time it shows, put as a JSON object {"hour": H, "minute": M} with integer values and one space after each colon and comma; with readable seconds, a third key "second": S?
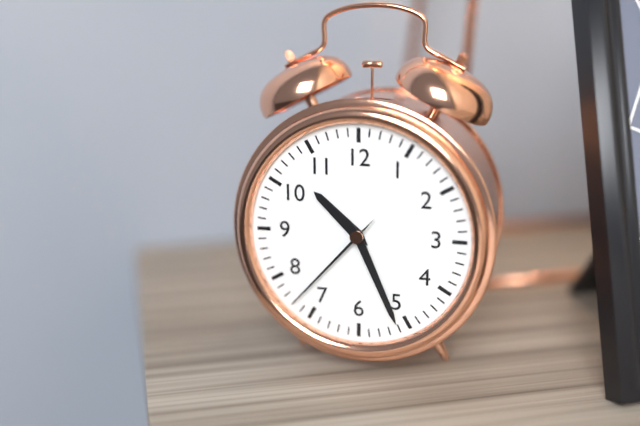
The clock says {"hour": 10, "minute": 26, "second": 37}
